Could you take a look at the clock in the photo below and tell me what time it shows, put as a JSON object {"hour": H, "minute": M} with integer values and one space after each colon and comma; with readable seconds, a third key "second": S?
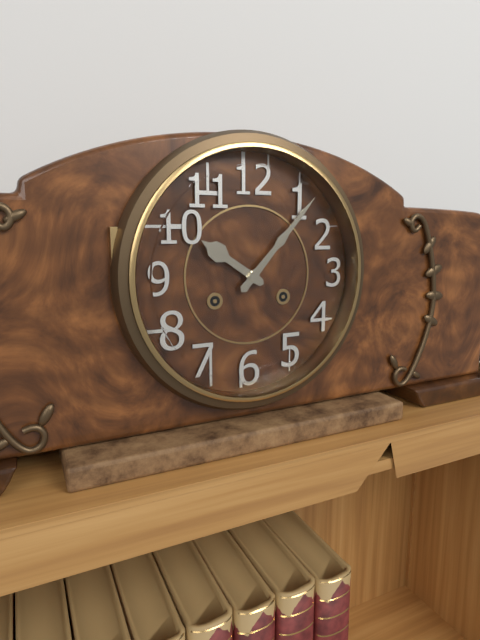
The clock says {"hour": 10, "minute": 7}
